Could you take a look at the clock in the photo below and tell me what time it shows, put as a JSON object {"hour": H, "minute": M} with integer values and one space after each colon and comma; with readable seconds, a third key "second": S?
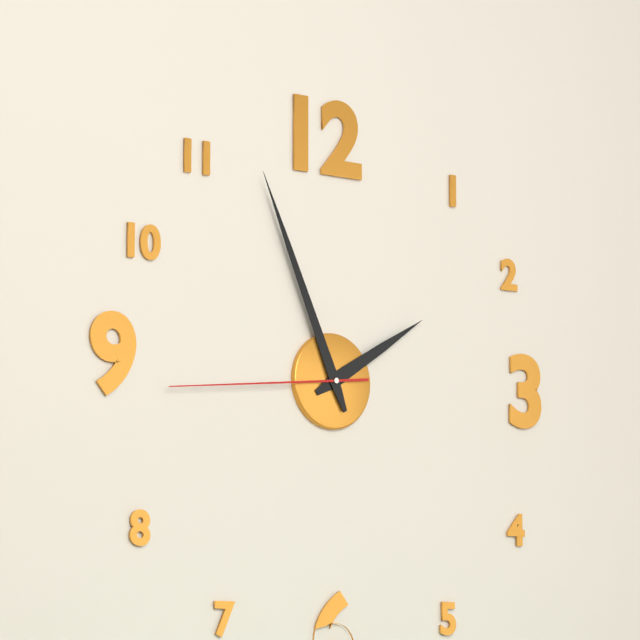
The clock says {"hour": 1, "minute": 56, "second": 44}
